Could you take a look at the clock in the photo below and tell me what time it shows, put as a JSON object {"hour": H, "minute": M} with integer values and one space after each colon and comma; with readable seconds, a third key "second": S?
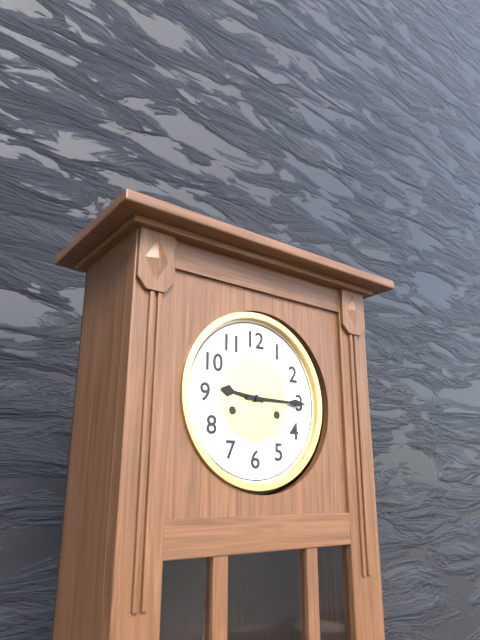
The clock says {"hour": 9, "minute": 15}
